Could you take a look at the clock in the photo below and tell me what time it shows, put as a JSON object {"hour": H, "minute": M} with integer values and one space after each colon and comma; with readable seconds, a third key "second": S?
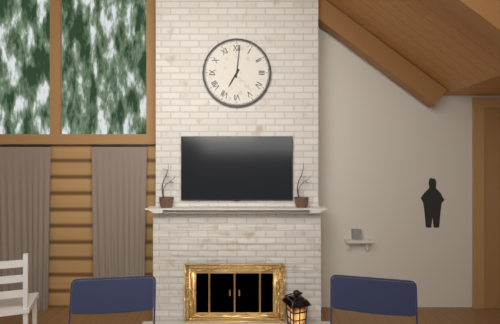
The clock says {"hour": 7, "minute": 1}
